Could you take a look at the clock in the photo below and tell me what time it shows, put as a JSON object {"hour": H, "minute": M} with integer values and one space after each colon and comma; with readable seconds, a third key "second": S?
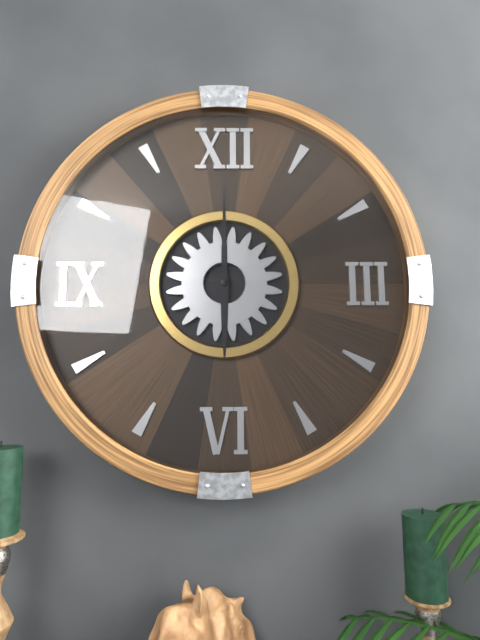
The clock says {"hour": 6, "minute": 0}
